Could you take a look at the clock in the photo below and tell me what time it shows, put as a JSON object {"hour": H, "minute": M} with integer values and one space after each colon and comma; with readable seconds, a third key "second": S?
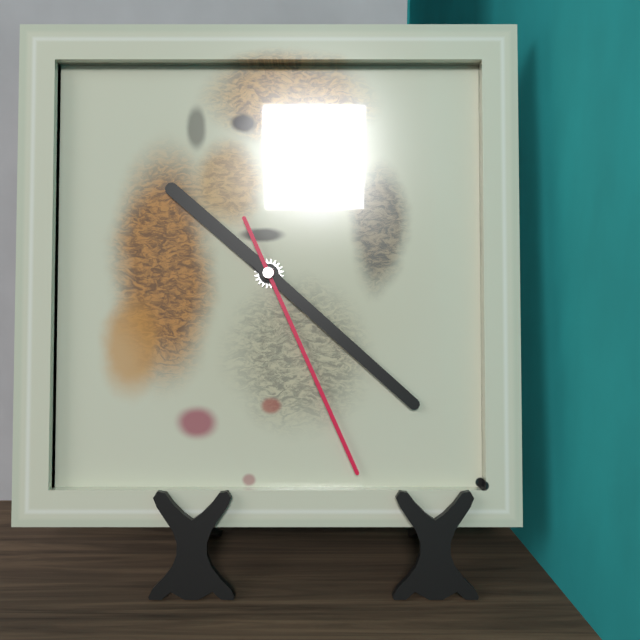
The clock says {"hour": 10, "minute": 22, "second": 26}
